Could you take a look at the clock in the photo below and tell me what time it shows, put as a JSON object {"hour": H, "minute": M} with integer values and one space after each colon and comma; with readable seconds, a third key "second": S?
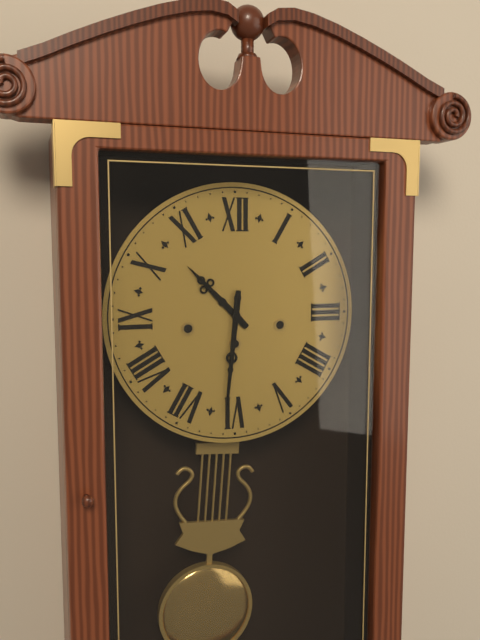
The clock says {"hour": 10, "minute": 31}
